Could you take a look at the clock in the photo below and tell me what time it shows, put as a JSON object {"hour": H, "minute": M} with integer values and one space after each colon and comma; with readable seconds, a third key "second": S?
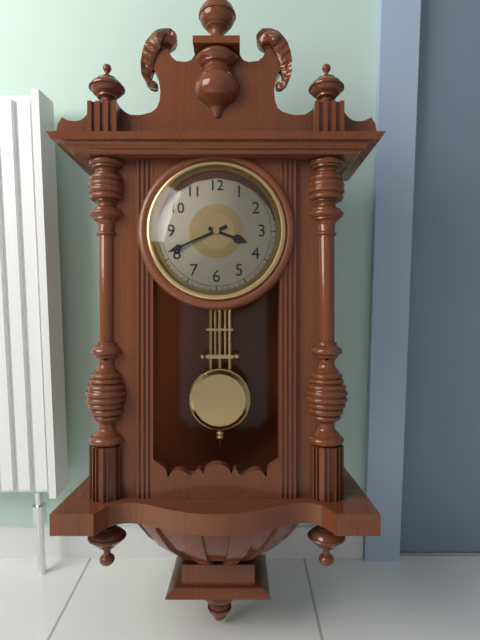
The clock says {"hour": 3, "minute": 41}
